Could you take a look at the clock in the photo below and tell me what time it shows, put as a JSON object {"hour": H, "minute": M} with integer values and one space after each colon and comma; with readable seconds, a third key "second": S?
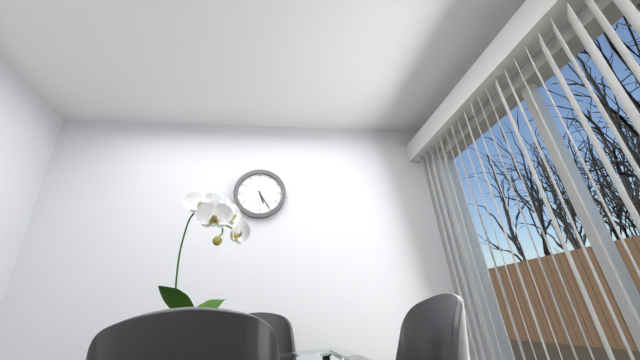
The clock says {"hour": 5, "minute": 25}
